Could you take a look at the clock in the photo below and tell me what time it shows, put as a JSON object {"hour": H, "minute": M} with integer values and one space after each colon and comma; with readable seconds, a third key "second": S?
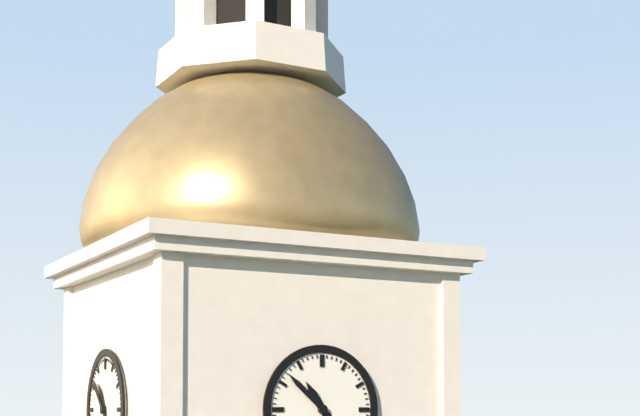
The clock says {"hour": 10, "minute": 52}
